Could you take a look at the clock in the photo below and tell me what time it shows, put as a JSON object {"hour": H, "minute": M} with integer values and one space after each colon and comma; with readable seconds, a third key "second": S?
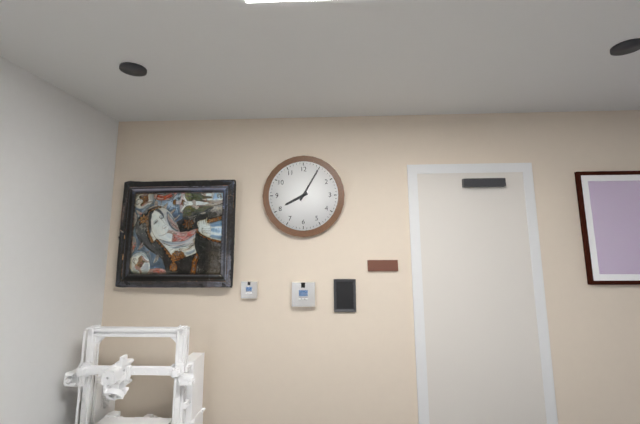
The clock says {"hour": 8, "minute": 5}
